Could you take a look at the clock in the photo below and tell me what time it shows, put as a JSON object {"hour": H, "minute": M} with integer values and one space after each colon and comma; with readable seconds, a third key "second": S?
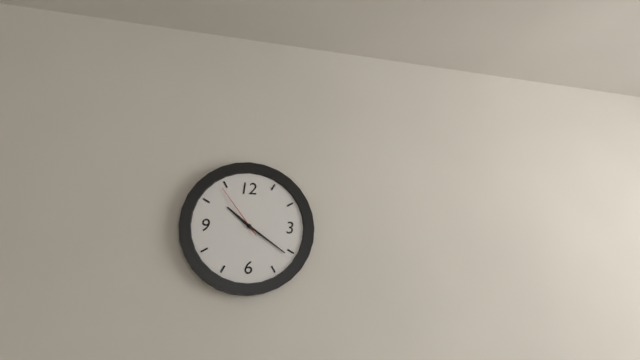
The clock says {"hour": 10, "minute": 21, "second": 54}
